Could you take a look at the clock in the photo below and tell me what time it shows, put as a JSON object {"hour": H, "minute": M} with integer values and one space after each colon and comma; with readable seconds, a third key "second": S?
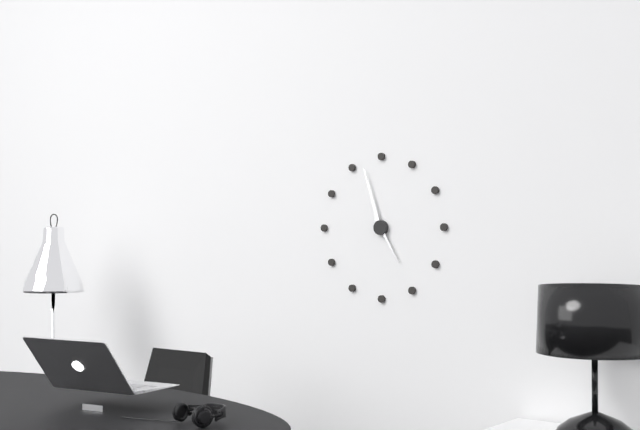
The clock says {"hour": 4, "minute": 57}
